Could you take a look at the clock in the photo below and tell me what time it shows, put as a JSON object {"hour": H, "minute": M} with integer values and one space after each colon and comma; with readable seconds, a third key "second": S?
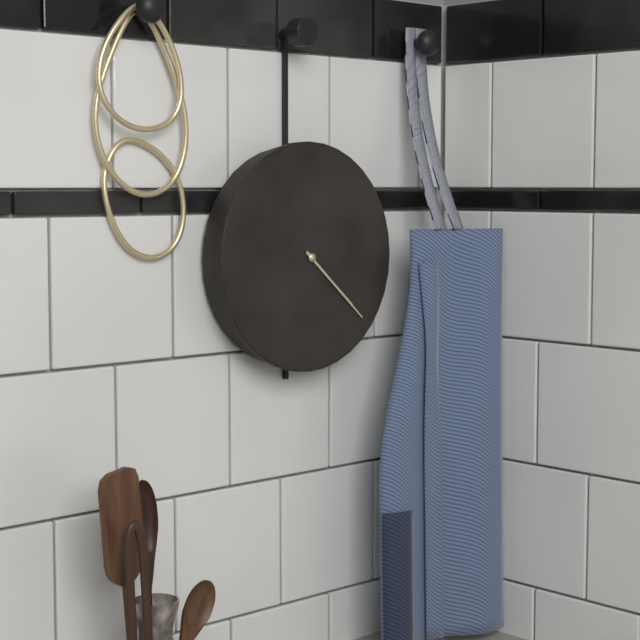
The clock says {"hour": 4, "minute": 22}
